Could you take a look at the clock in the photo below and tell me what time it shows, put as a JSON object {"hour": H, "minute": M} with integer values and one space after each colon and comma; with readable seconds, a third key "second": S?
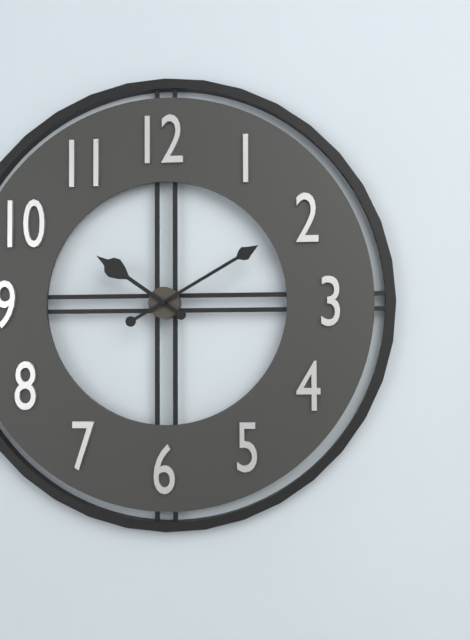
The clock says {"hour": 10, "minute": 10}
